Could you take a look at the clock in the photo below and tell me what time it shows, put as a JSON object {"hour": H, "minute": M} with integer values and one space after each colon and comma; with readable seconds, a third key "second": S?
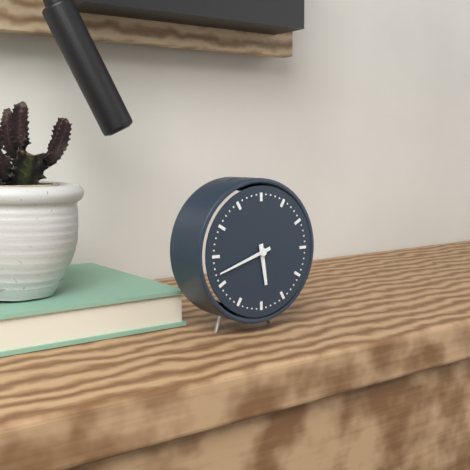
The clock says {"hour": 5, "minute": 42}
